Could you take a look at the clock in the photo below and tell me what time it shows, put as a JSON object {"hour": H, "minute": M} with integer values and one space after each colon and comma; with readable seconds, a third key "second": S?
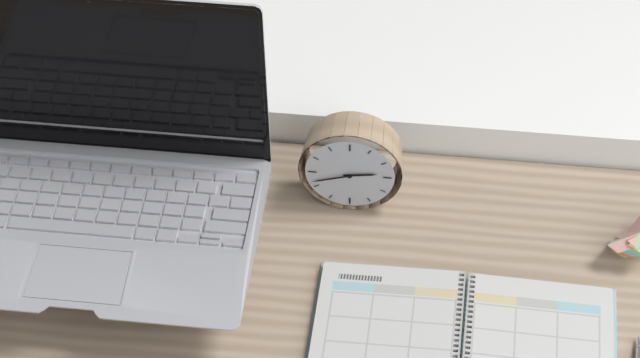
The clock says {"hour": 2, "minute": 42}
